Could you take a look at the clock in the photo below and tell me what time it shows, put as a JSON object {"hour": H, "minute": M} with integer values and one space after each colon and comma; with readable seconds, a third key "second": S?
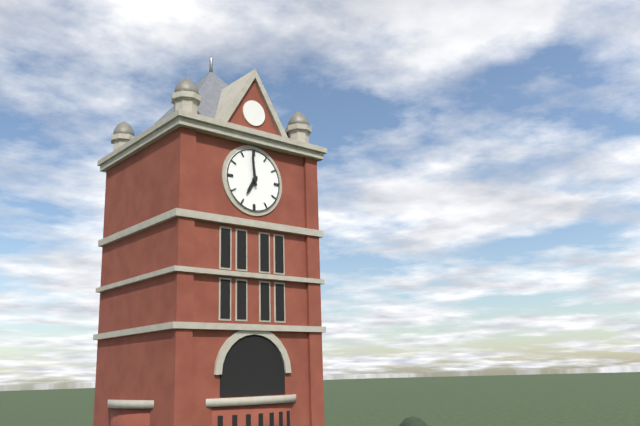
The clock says {"hour": 6, "minute": 59}
